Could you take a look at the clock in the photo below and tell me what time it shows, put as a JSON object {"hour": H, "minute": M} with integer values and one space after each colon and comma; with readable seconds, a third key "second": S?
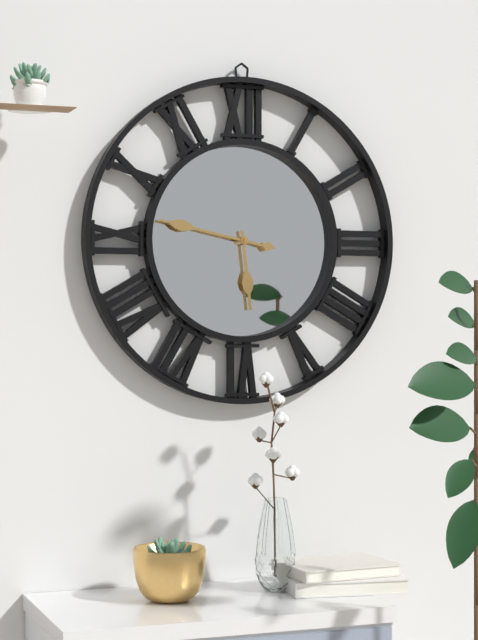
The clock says {"hour": 5, "minute": 47}
